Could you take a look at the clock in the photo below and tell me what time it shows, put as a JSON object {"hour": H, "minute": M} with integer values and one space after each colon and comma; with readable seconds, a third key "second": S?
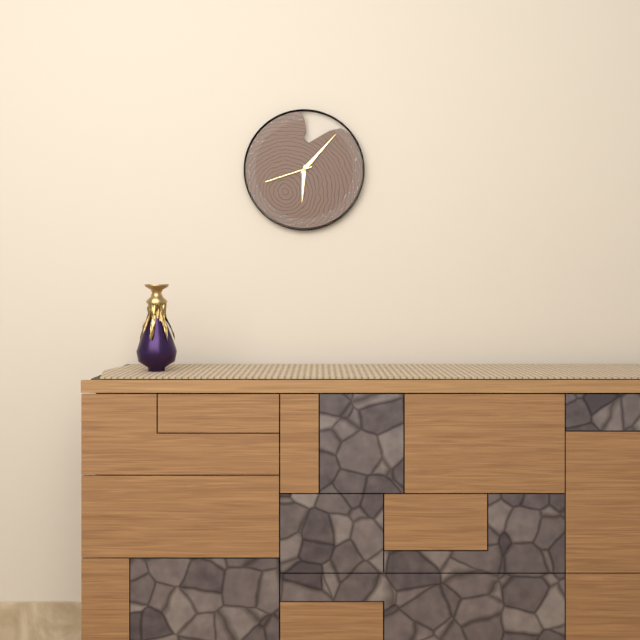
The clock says {"hour": 6, "minute": 7, "second": 42}
